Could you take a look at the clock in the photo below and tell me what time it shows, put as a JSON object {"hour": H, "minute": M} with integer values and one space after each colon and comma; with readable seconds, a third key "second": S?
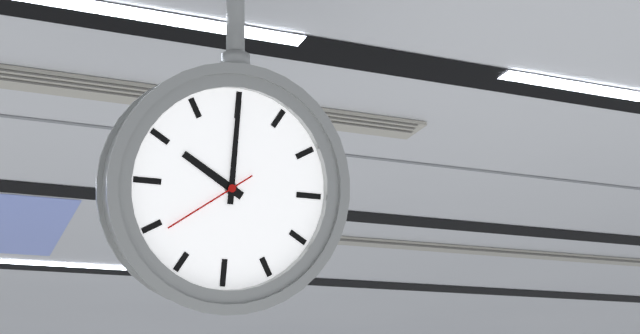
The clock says {"hour": 10, "minute": 0, "second": 39}
